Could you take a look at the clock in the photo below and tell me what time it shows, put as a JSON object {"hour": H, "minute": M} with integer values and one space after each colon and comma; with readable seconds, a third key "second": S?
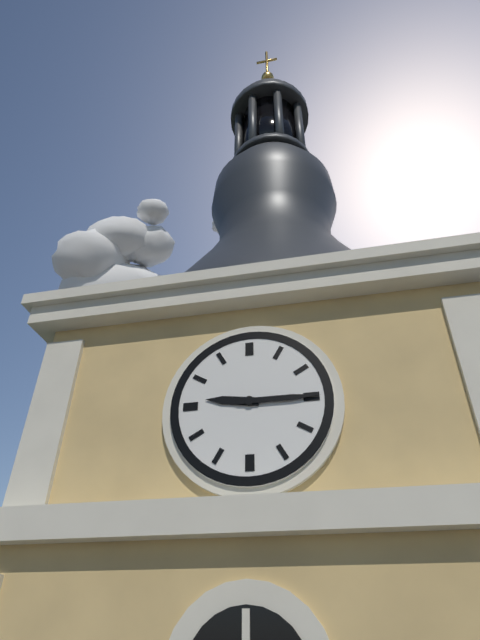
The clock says {"hour": 9, "minute": 15}
